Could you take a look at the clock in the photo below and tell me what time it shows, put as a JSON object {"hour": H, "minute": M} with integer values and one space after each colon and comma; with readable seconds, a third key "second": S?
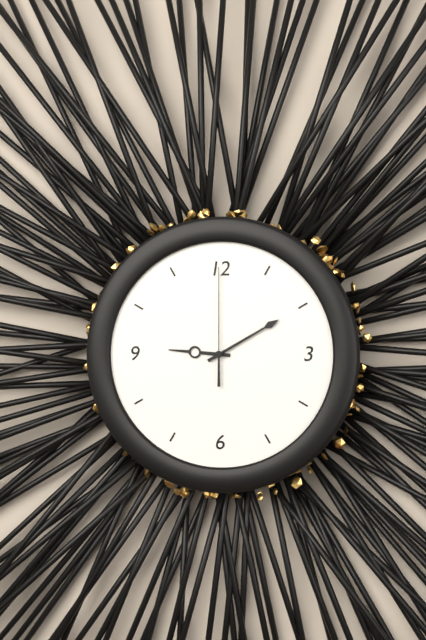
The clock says {"hour": 9, "minute": 10, "second": 0}
